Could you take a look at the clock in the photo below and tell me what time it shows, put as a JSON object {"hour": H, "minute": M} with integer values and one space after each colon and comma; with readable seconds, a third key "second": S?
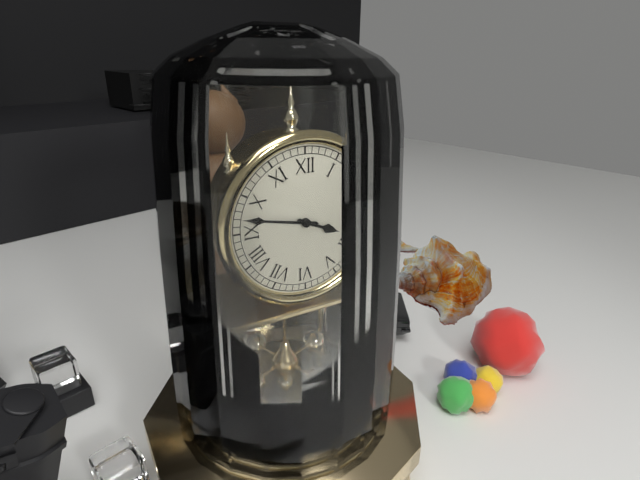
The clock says {"hour": 3, "minute": 47}
